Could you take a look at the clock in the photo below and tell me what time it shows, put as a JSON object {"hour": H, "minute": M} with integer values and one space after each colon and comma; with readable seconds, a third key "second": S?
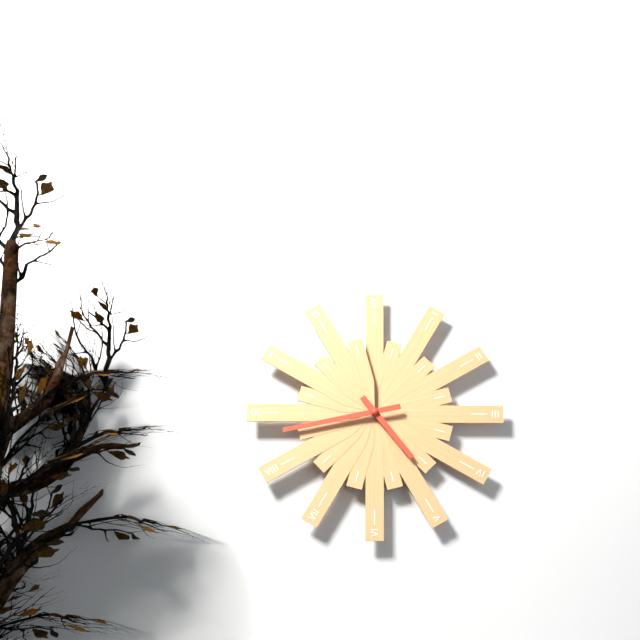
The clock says {"hour": 4, "minute": 43}
